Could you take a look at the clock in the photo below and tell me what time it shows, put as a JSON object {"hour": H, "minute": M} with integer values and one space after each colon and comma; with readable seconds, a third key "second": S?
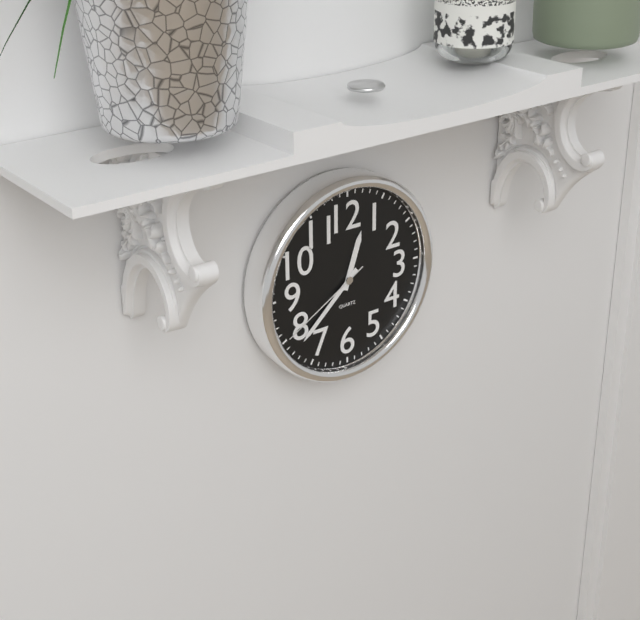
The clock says {"hour": 12, "minute": 38, "second": 40}
